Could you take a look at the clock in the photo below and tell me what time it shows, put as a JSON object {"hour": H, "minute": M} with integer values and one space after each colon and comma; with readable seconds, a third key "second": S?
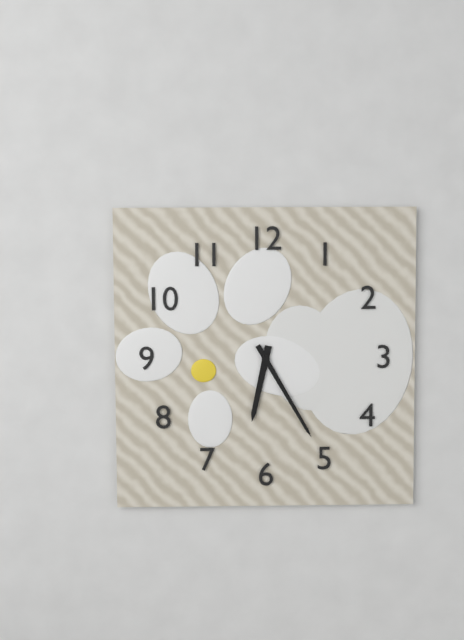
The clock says {"hour": 6, "minute": 25}
